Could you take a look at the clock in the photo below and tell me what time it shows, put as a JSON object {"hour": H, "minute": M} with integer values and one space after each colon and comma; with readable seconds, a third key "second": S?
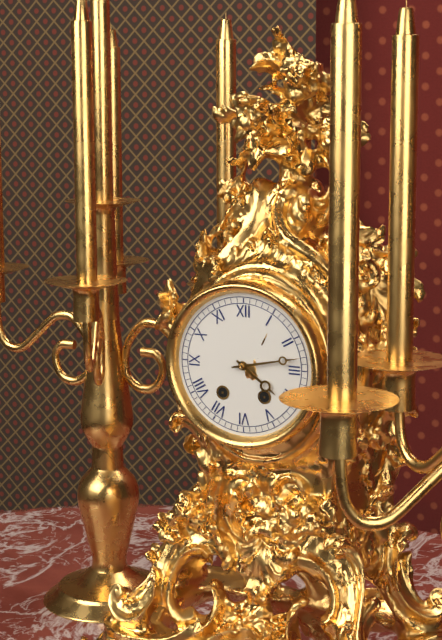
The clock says {"hour": 4, "minute": 13}
